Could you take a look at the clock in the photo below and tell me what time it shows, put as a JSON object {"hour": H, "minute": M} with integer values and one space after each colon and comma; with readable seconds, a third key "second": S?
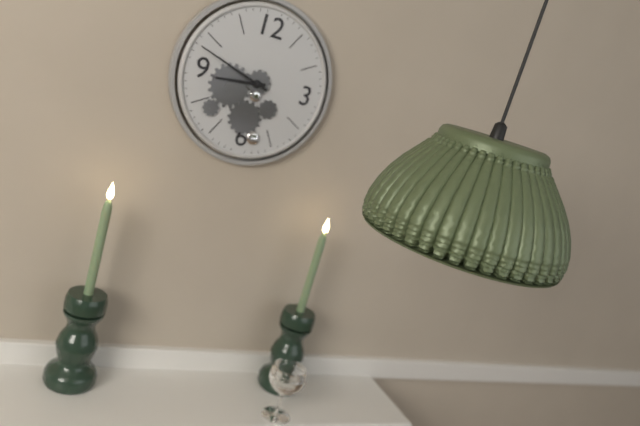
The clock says {"hour": 8, "minute": 48}
